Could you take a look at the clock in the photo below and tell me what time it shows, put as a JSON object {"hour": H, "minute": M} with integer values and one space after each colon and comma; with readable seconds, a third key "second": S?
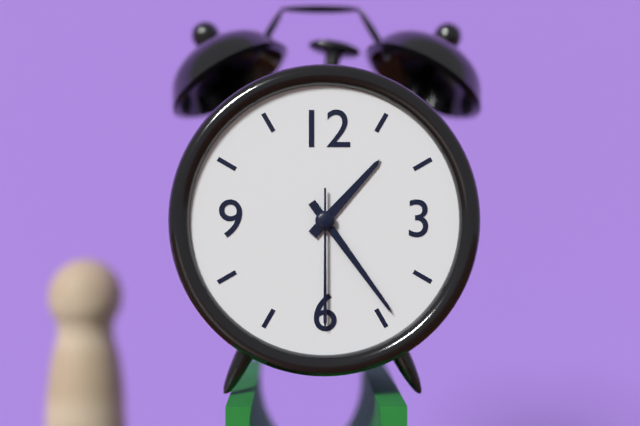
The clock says {"hour": 1, "minute": 24, "second": 30}
